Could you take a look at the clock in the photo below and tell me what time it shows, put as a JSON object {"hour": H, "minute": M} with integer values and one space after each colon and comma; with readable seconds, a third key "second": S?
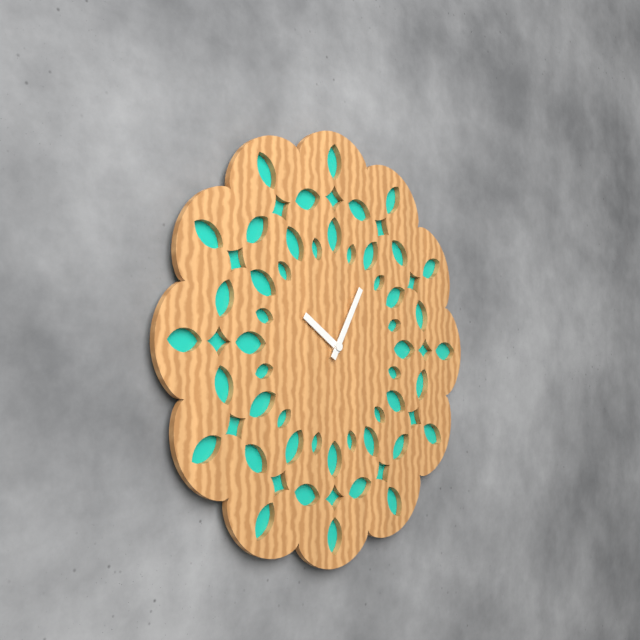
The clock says {"hour": 10, "minute": 5}
